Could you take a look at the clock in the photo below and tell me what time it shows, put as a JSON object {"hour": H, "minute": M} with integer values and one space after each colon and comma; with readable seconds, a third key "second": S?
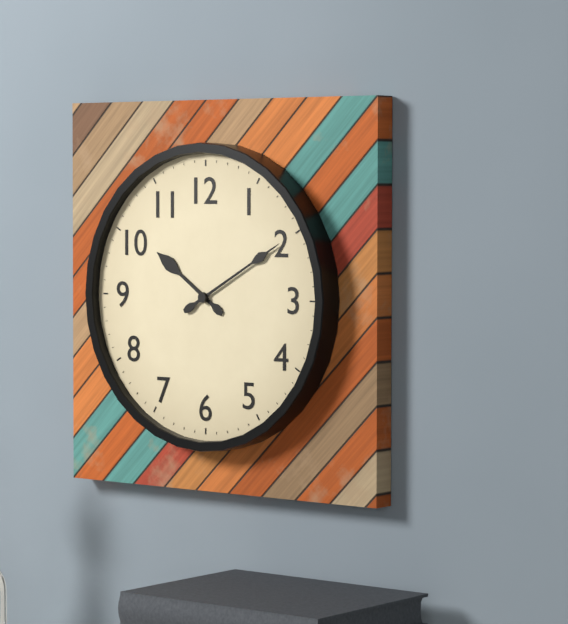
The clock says {"hour": 10, "minute": 10}
